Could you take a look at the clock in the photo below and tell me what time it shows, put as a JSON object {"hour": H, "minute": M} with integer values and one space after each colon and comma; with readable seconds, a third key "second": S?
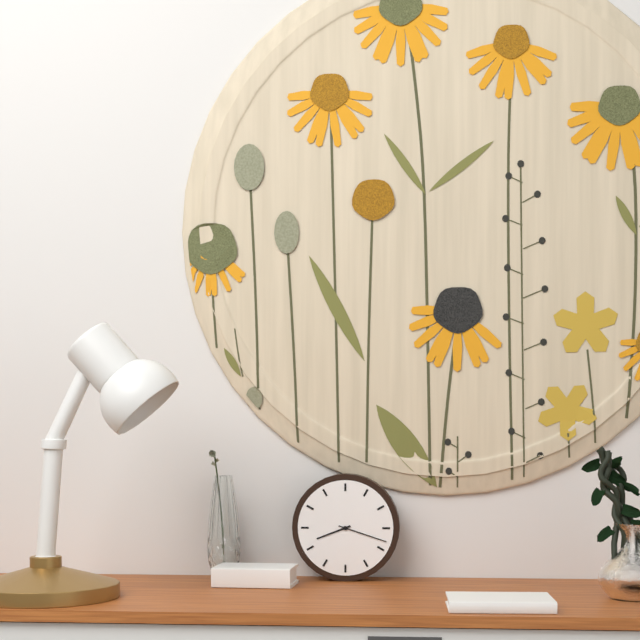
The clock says {"hour": 8, "minute": 18}
